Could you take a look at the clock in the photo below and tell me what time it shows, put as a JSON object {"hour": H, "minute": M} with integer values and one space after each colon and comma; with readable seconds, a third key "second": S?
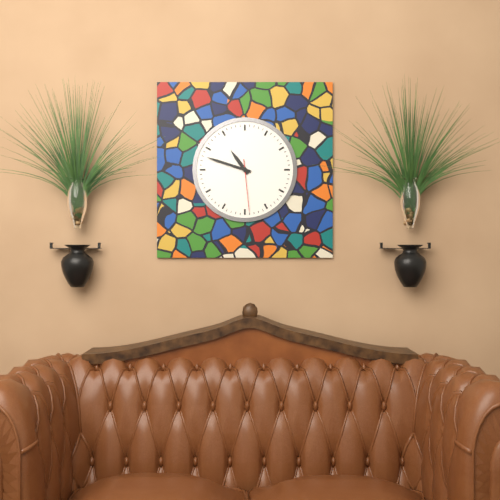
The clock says {"hour": 10, "minute": 48, "second": 29}
